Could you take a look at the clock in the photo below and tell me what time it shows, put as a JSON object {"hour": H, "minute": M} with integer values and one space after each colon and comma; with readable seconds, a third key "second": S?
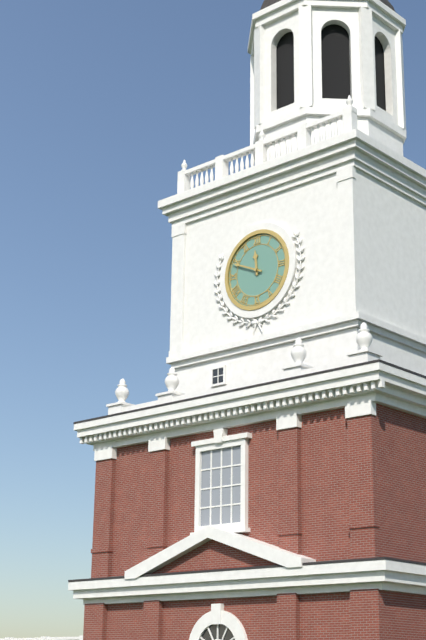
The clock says {"hour": 11, "minute": 49}
